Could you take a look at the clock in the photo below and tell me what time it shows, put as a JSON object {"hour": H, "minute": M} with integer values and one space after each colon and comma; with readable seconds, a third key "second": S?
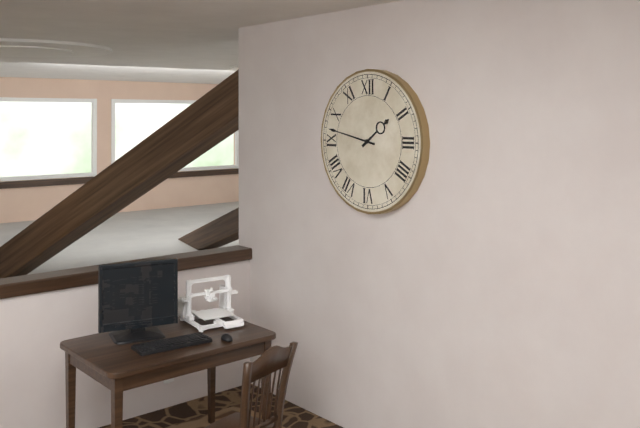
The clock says {"hour": 1, "minute": 47}
